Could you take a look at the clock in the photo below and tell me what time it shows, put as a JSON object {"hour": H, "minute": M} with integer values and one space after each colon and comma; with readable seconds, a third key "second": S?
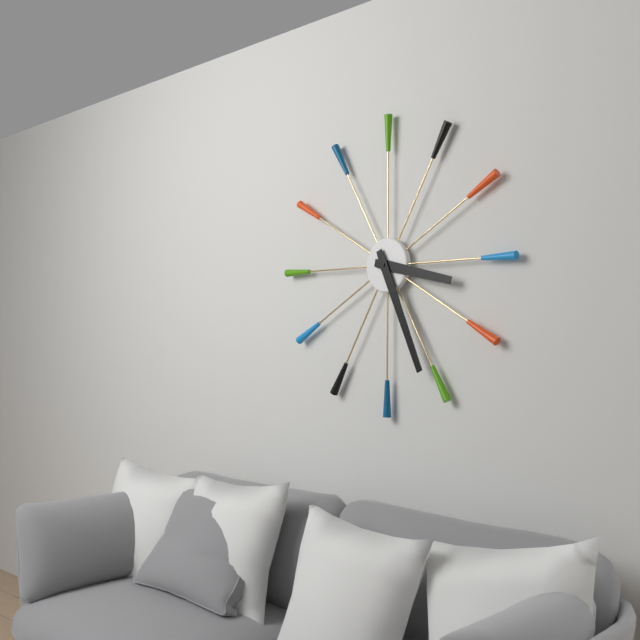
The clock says {"hour": 3, "minute": 26}
